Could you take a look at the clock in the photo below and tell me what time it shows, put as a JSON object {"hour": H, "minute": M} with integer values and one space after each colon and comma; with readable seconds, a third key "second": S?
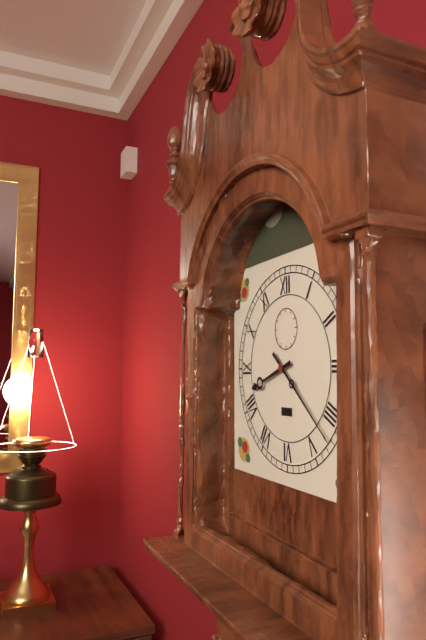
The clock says {"hour": 8, "minute": 22}
